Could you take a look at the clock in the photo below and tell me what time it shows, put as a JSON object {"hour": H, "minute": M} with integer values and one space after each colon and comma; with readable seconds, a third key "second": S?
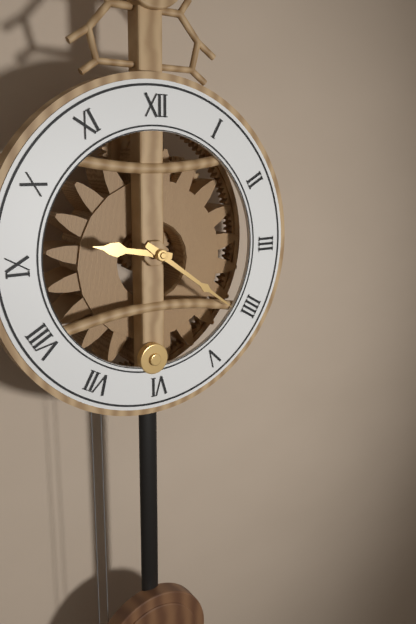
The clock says {"hour": 9, "minute": 21}
